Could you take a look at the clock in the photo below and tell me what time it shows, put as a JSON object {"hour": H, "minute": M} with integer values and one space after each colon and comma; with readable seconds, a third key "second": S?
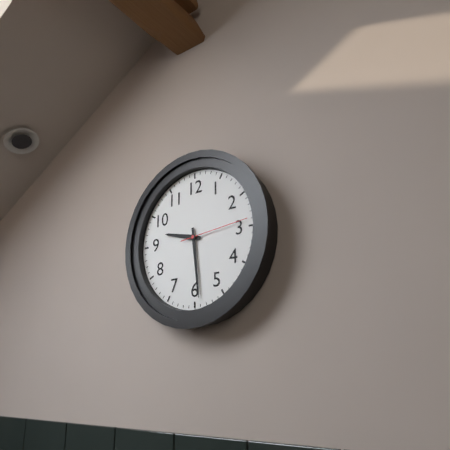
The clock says {"hour": 9, "minute": 29, "second": 14}
